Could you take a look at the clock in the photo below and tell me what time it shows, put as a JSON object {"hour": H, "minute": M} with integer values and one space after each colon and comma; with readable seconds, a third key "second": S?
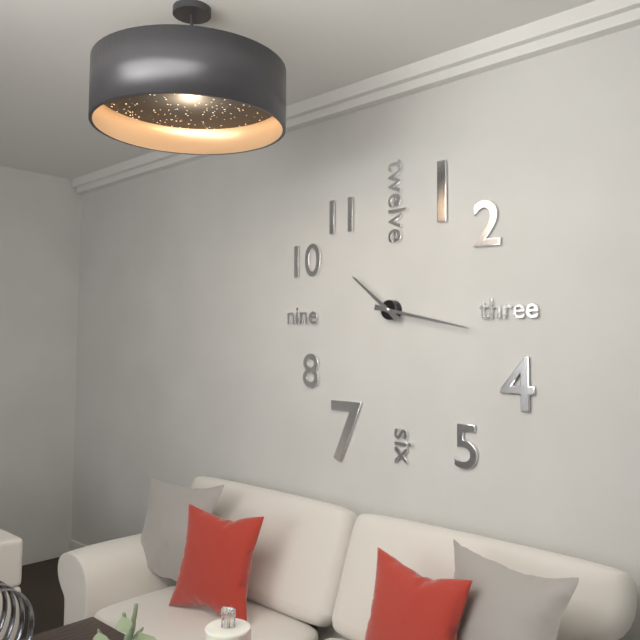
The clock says {"hour": 10, "minute": 17}
